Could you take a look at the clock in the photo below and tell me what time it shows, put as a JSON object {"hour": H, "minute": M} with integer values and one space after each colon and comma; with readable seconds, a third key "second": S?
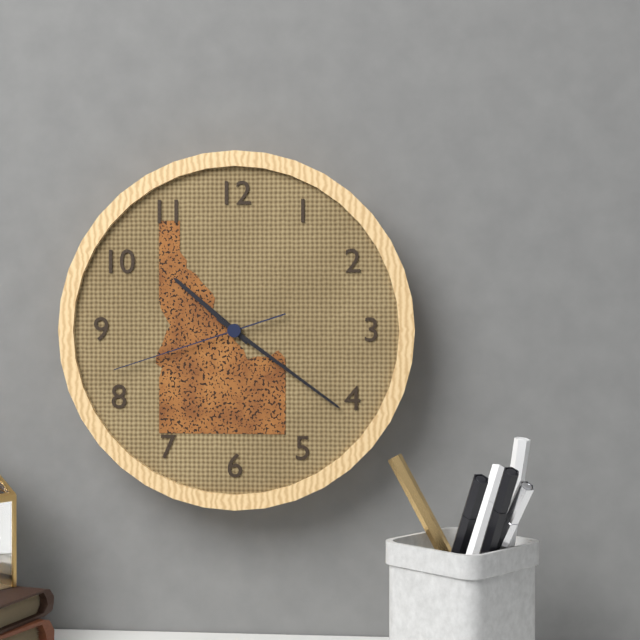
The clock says {"hour": 10, "minute": 21, "second": 42}
